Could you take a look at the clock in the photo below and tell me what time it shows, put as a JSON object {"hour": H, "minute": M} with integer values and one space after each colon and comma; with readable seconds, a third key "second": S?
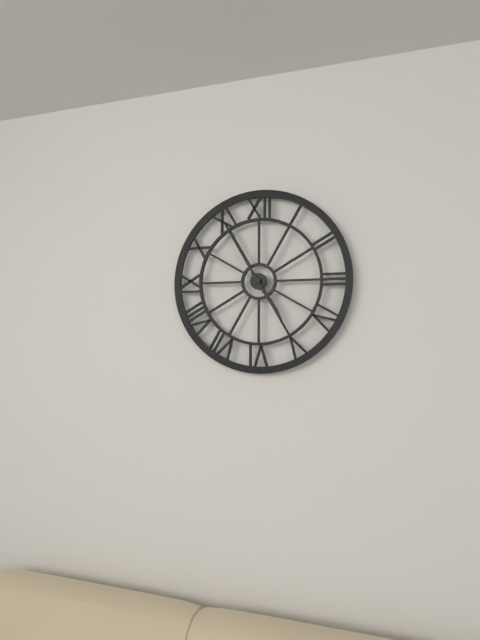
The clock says {"hour": 4, "minute": 55}
